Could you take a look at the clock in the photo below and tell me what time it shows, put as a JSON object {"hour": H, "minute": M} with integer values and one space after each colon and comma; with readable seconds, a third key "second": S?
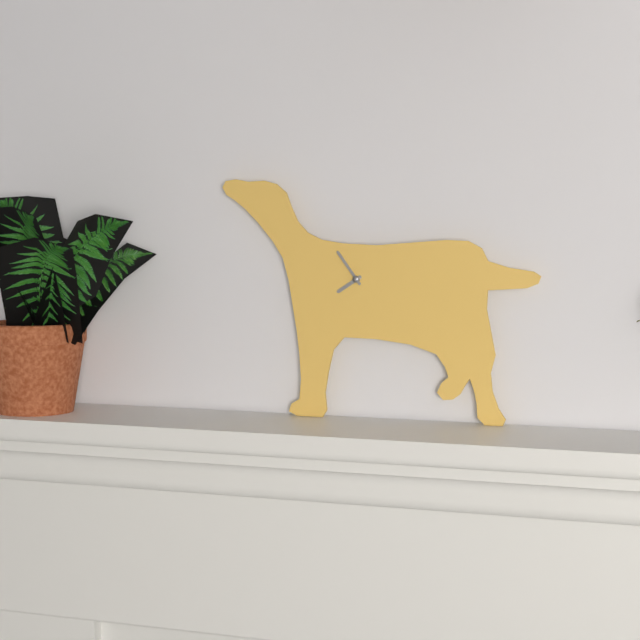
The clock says {"hour": 7, "minute": 54}
